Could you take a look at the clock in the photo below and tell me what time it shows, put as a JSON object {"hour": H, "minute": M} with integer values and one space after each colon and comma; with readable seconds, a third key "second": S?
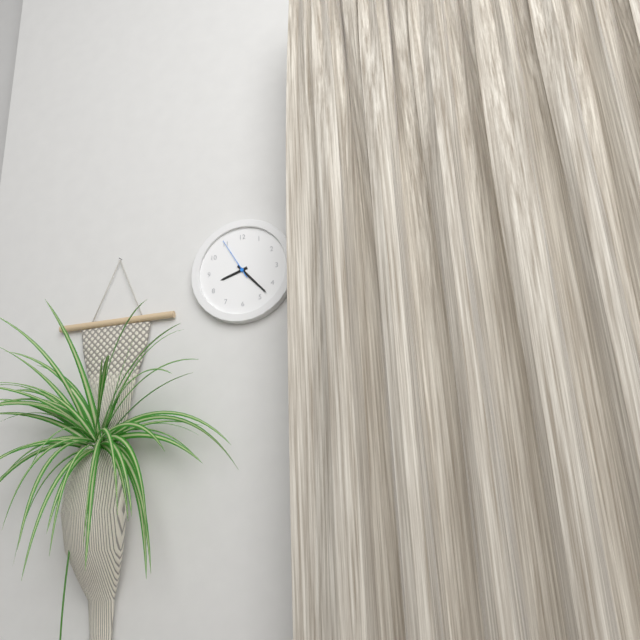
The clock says {"hour": 8, "minute": 23}
